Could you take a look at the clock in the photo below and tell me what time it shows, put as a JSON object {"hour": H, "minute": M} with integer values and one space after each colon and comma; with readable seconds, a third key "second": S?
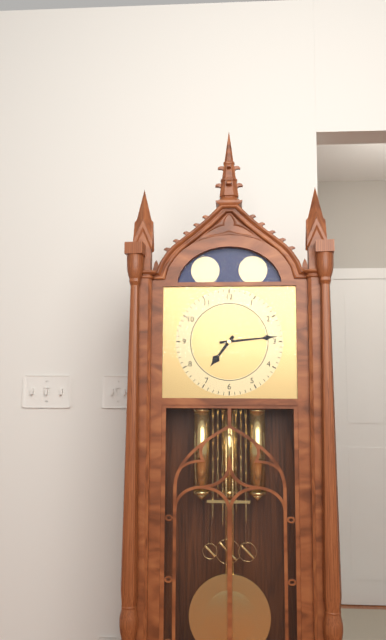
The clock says {"hour": 7, "minute": 14}
